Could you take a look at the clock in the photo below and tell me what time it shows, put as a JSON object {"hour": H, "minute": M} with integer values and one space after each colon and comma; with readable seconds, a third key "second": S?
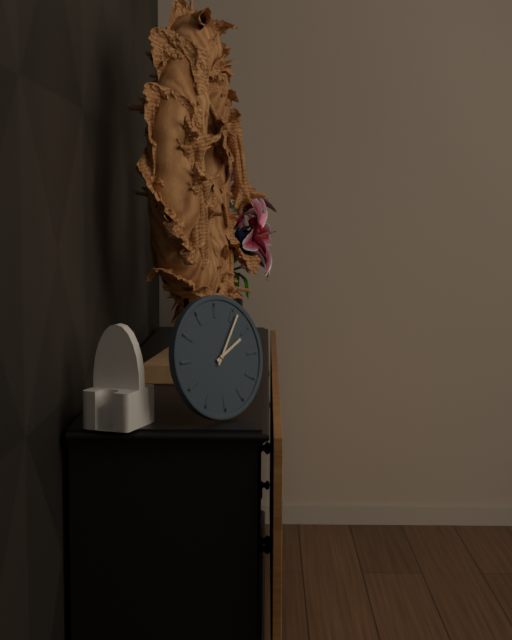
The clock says {"hour": 2, "minute": 6}
